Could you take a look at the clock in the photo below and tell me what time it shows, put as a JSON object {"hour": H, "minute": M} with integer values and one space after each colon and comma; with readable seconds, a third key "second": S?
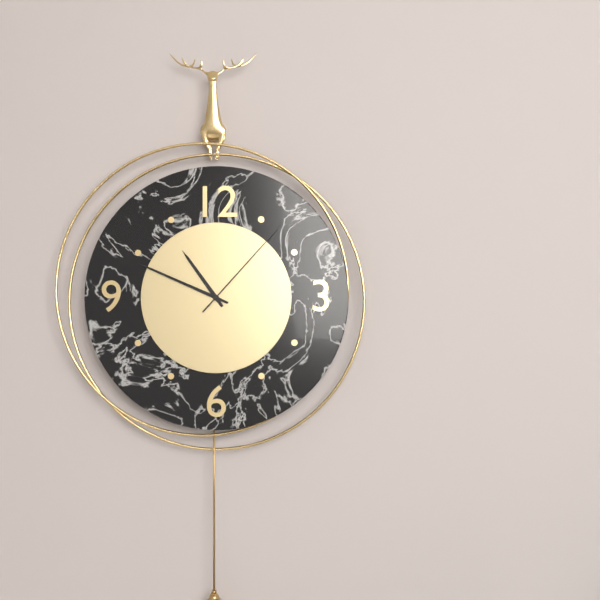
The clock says {"hour": 10, "minute": 49, "second": 7}
